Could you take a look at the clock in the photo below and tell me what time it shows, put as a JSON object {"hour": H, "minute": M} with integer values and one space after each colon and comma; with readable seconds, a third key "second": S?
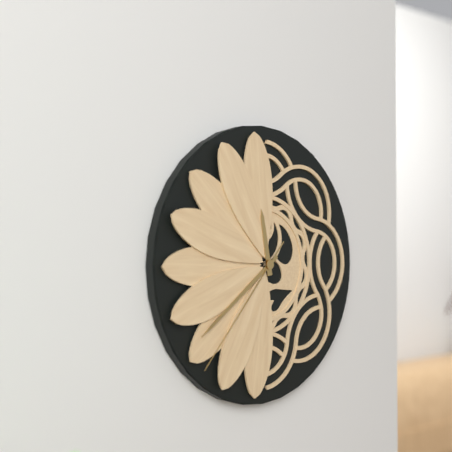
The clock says {"hour": 11, "minute": 39, "second": 37}
